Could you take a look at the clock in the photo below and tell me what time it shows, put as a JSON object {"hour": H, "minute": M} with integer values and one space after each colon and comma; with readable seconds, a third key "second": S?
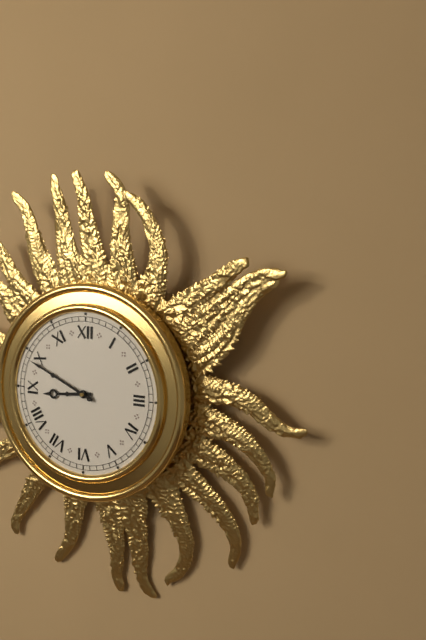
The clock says {"hour": 8, "minute": 49}
